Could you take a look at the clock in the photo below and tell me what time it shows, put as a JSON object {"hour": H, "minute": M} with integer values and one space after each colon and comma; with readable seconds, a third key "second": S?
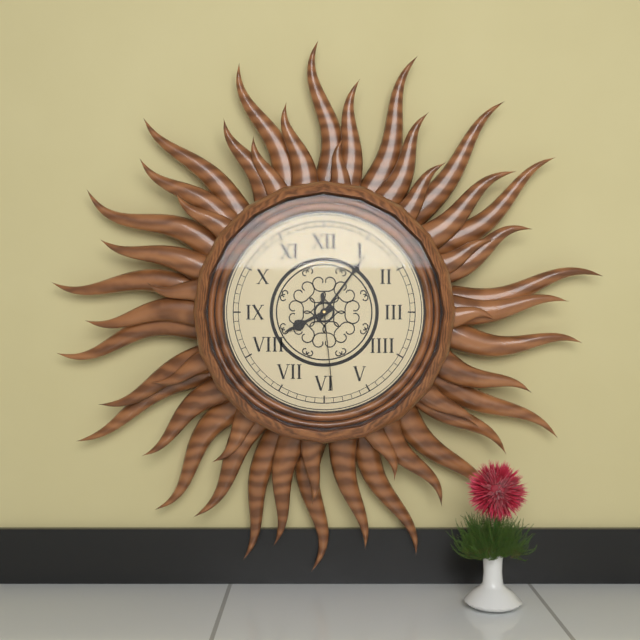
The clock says {"hour": 8, "minute": 6, "second": 29}
